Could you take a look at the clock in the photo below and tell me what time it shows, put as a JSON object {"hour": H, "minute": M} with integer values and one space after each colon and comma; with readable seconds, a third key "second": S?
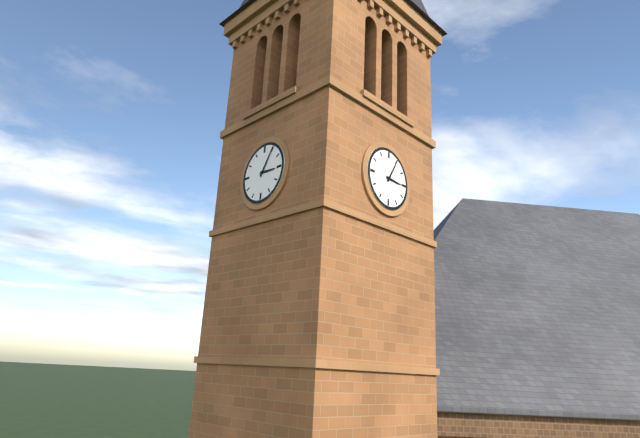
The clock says {"hour": 3, "minute": 5}
